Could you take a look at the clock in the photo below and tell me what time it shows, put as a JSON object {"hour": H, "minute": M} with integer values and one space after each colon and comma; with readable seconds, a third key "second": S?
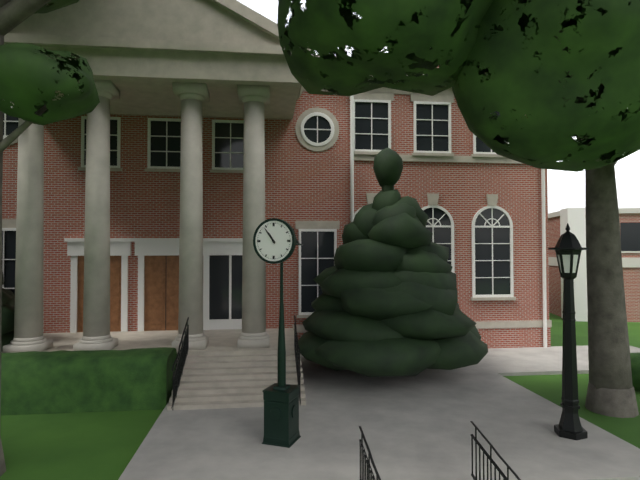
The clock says {"hour": 10, "minute": 54}
